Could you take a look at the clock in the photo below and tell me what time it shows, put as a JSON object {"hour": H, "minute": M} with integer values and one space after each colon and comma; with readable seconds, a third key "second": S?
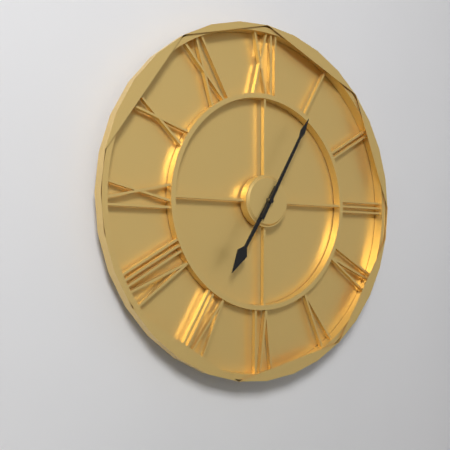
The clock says {"hour": 7, "minute": 5}
